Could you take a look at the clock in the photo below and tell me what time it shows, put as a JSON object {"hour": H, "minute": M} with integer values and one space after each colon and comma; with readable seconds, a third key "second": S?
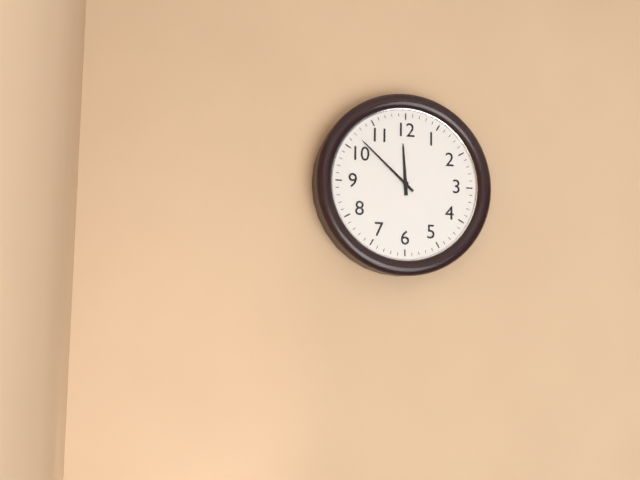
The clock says {"hour": 11, "minute": 52}
